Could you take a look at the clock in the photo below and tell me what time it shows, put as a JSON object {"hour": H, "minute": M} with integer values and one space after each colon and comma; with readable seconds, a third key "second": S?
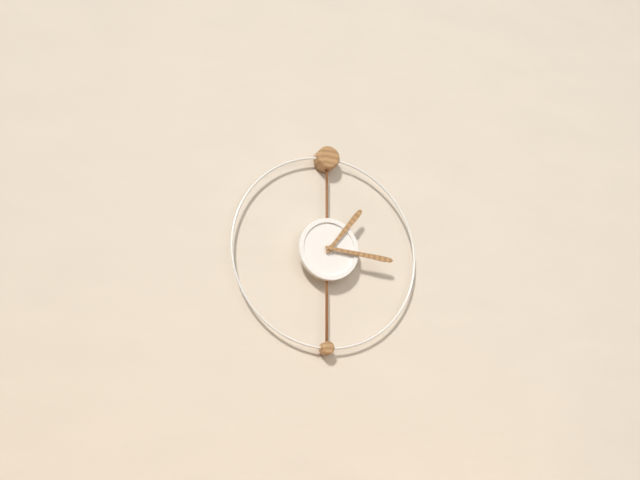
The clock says {"hour": 1, "minute": 16}
